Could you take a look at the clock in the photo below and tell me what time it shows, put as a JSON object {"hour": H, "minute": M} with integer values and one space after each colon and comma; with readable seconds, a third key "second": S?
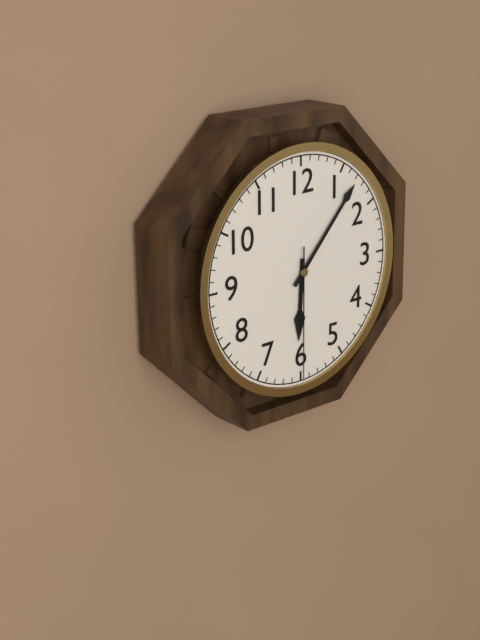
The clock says {"hour": 6, "minute": 7, "second": 30}
